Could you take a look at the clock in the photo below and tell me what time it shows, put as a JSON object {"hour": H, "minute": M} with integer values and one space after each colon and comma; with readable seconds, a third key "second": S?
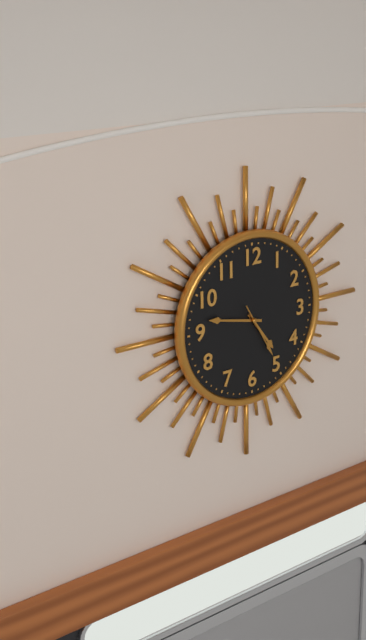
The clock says {"hour": 4, "minute": 47}
